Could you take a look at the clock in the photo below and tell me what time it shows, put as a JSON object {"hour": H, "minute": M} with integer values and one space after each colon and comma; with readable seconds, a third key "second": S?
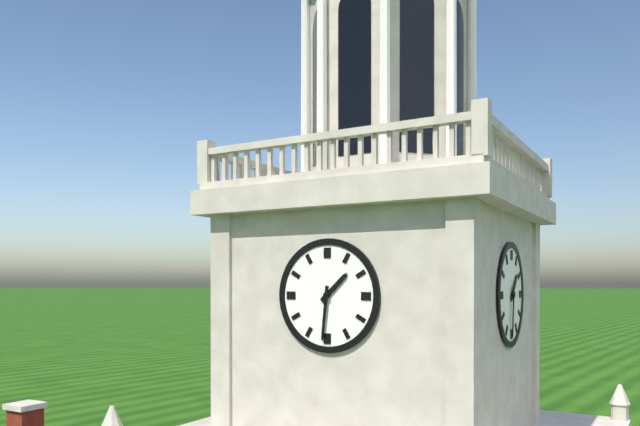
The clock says {"hour": 1, "minute": 31}
